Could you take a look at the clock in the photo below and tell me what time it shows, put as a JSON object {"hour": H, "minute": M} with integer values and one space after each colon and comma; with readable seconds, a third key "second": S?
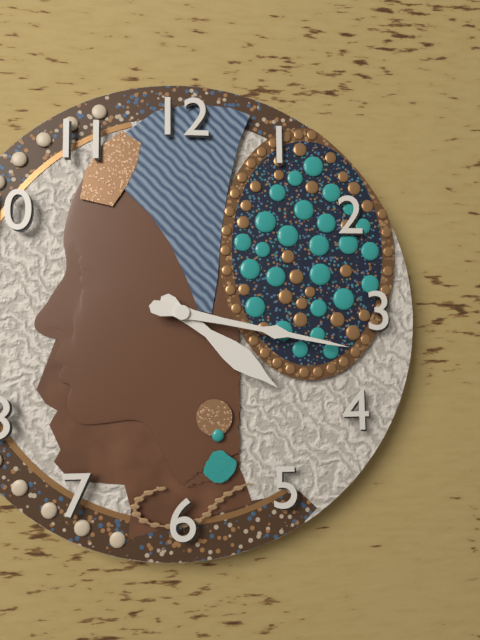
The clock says {"hour": 4, "minute": 17}
